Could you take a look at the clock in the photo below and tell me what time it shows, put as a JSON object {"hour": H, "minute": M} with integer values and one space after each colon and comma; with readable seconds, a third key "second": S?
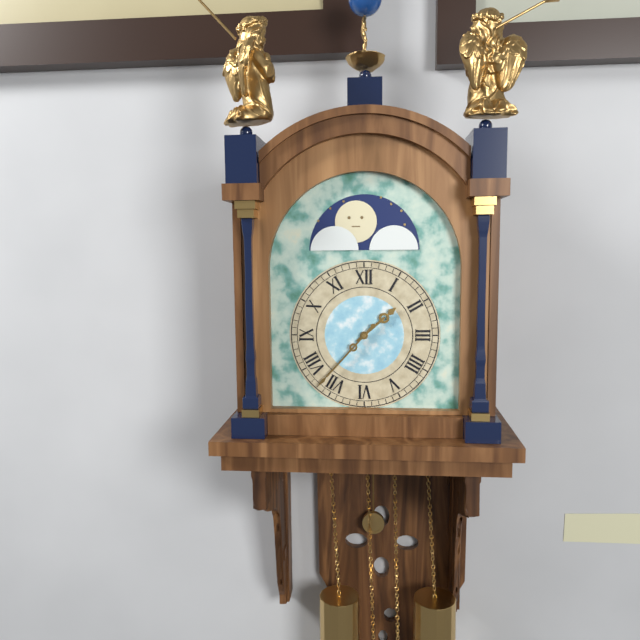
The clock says {"hour": 1, "minute": 37}
